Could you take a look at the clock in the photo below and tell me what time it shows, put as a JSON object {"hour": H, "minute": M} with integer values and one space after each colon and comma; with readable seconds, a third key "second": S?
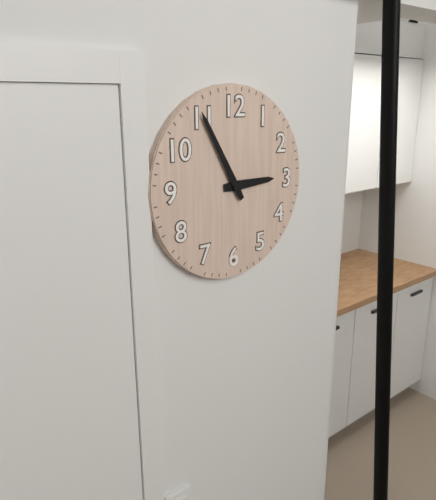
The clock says {"hour": 2, "minute": 55}
